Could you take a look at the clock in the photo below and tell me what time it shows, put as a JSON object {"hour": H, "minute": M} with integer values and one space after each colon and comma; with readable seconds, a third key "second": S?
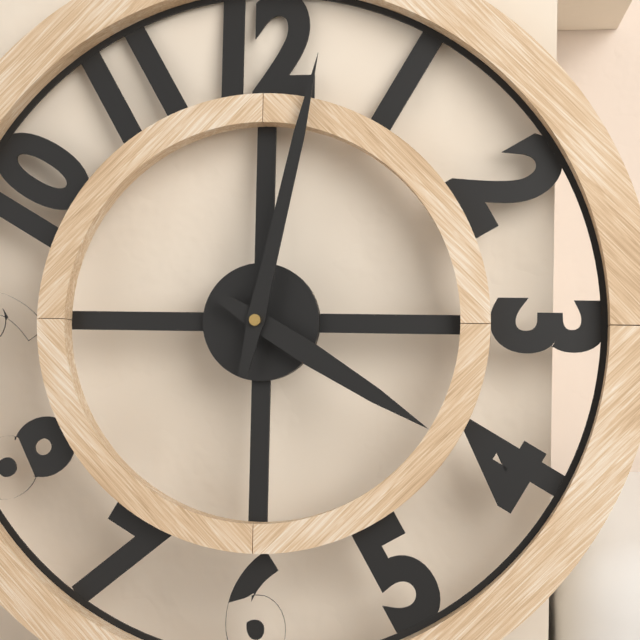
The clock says {"hour": 4, "minute": 2}
